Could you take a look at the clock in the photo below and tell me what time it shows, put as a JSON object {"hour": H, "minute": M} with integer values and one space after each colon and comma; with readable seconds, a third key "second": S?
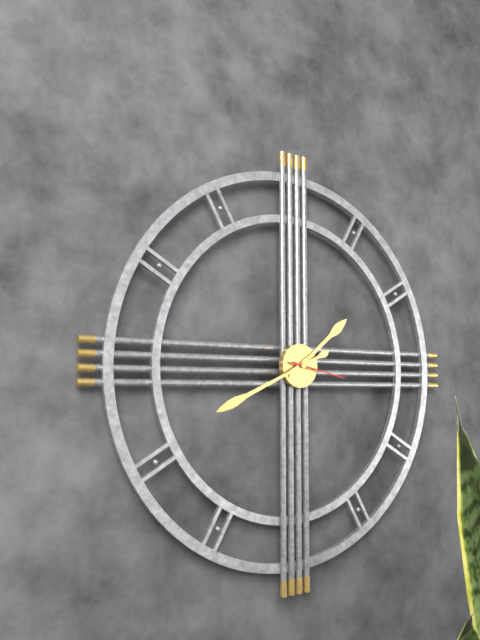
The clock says {"hour": 1, "minute": 41, "second": 17}
